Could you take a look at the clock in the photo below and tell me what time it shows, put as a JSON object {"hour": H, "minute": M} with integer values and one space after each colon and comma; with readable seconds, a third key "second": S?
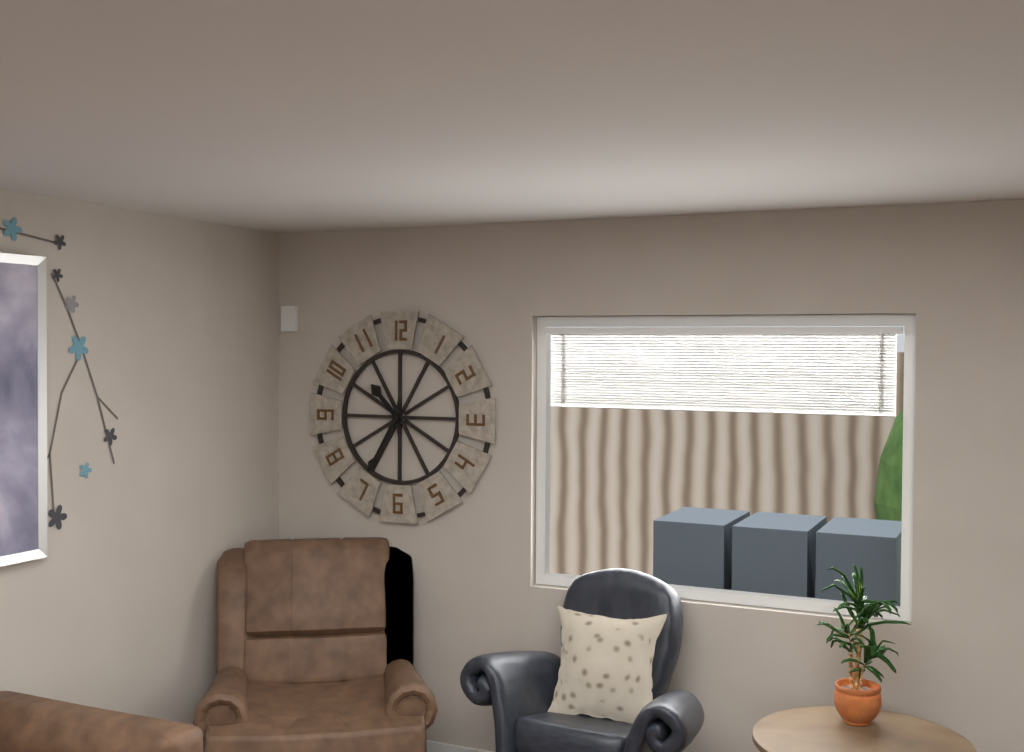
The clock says {"hour": 10, "minute": 35}
